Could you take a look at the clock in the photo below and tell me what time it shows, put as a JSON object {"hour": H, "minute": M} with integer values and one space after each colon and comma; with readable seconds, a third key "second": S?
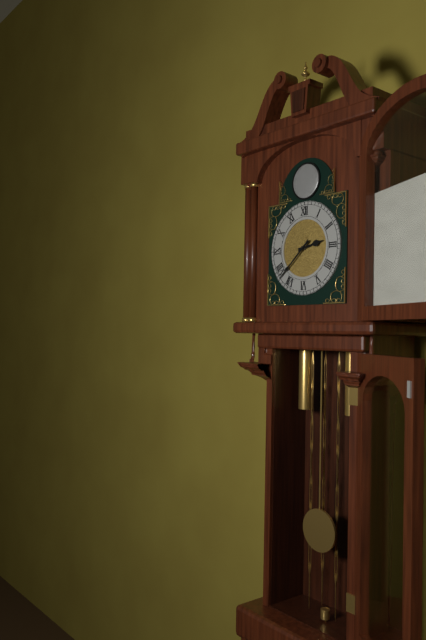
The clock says {"hour": 2, "minute": 38}
